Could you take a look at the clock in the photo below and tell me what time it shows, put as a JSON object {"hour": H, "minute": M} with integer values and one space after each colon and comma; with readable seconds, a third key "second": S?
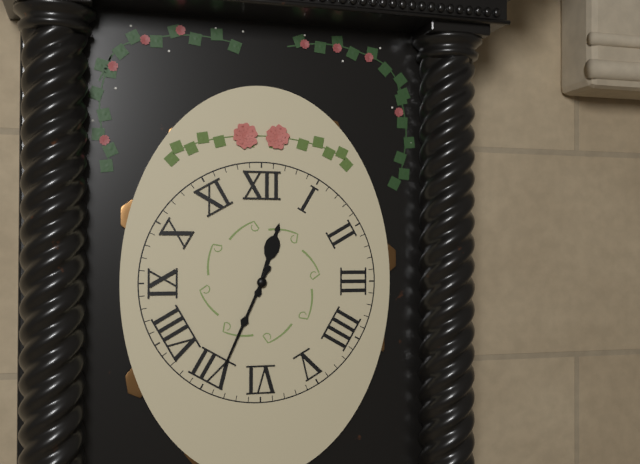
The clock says {"hour": 12, "minute": 34}
